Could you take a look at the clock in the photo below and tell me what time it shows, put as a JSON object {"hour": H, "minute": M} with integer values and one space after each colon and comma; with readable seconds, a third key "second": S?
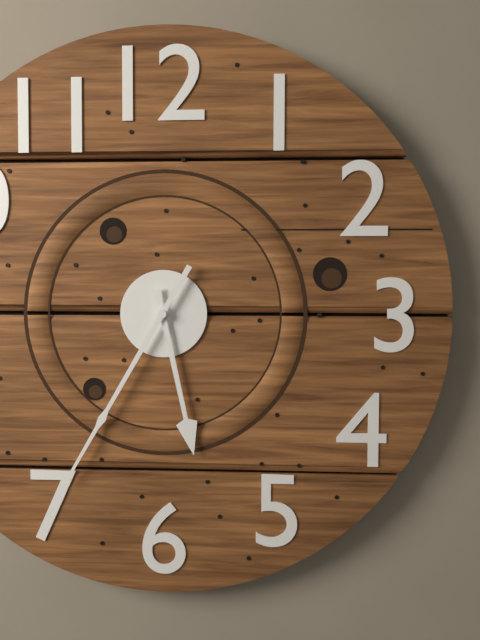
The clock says {"hour": 5, "minute": 35}
